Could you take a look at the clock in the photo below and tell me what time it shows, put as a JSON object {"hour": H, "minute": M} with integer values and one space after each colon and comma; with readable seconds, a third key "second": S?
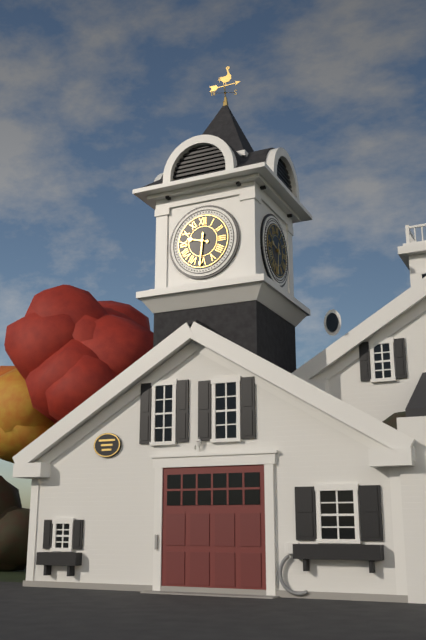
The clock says {"hour": 9, "minute": 31}
